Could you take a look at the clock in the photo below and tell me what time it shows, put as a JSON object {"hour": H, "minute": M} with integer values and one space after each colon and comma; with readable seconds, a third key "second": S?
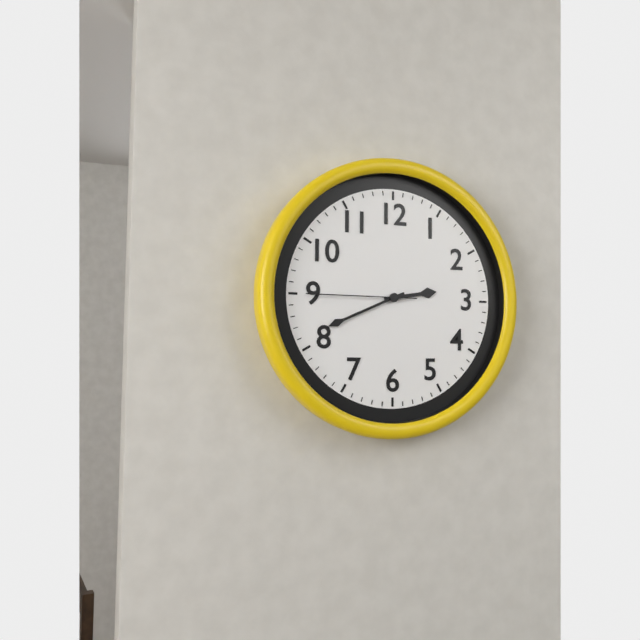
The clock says {"hour": 2, "minute": 41, "second": 45}
